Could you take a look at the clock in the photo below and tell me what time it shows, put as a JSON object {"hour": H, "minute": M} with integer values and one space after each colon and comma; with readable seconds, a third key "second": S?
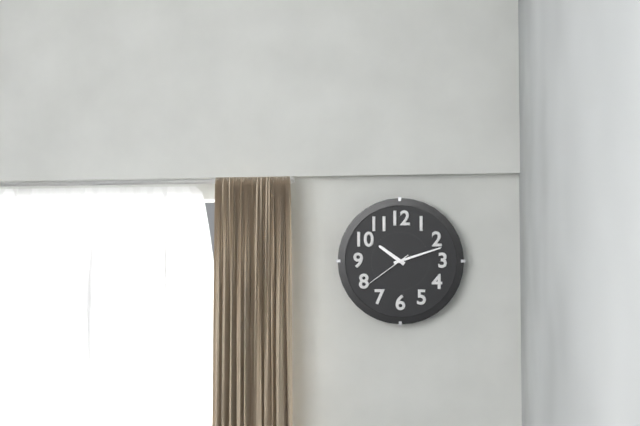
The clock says {"hour": 10, "minute": 12}
